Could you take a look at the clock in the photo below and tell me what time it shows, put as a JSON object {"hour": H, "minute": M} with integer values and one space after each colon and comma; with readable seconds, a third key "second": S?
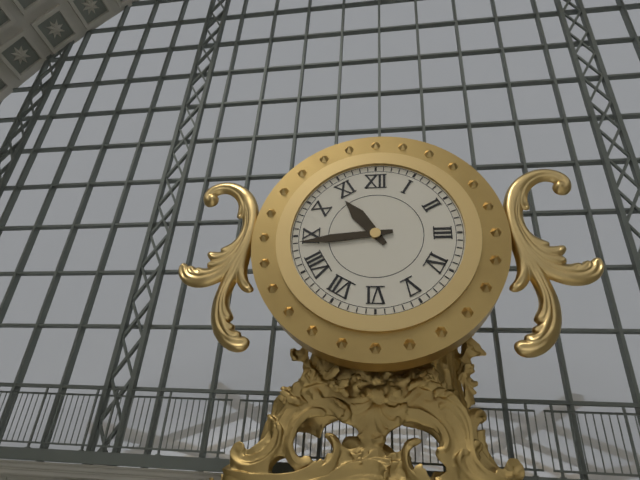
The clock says {"hour": 10, "minute": 44}
